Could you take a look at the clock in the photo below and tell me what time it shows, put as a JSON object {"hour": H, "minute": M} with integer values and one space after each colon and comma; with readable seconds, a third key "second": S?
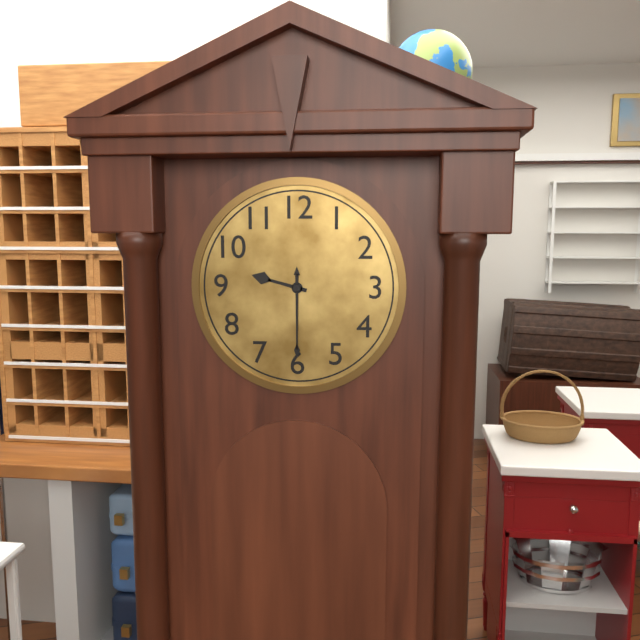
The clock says {"hour": 9, "minute": 30}
